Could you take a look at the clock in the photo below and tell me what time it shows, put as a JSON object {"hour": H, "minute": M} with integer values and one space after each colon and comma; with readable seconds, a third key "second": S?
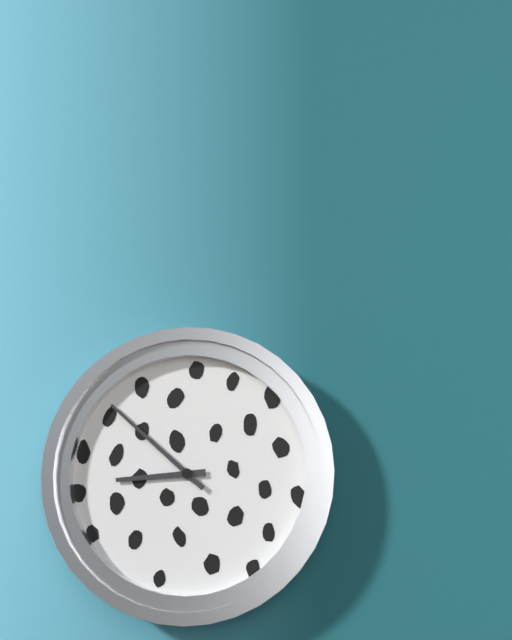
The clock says {"hour": 8, "minute": 52}
